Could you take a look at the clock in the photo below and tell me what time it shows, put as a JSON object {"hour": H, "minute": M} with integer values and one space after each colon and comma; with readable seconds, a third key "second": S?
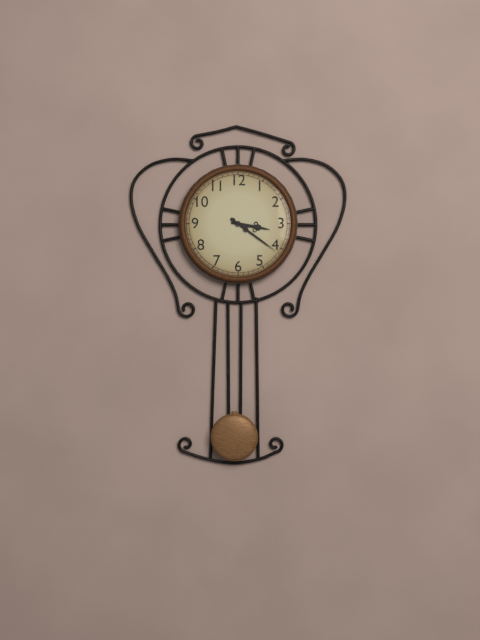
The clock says {"hour": 3, "minute": 21}
